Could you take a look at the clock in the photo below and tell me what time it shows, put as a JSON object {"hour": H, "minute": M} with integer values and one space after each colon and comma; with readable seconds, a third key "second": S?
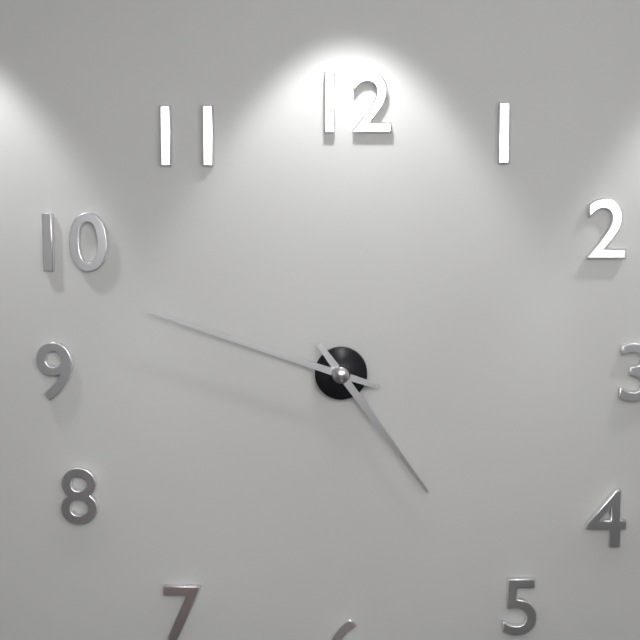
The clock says {"hour": 4, "minute": 48}
